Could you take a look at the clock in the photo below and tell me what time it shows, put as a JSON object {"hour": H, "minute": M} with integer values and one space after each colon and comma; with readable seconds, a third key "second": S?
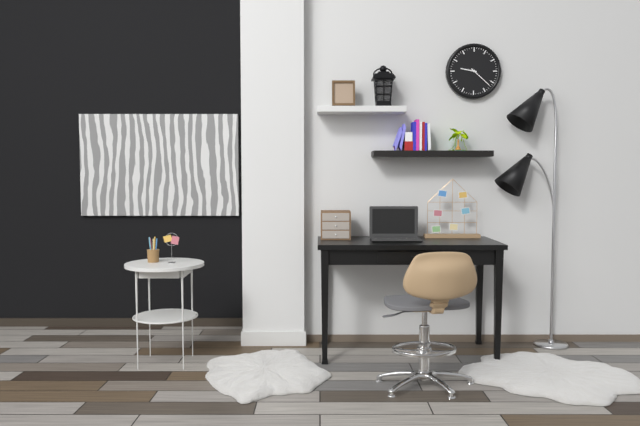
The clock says {"hour": 9, "minute": 22}
